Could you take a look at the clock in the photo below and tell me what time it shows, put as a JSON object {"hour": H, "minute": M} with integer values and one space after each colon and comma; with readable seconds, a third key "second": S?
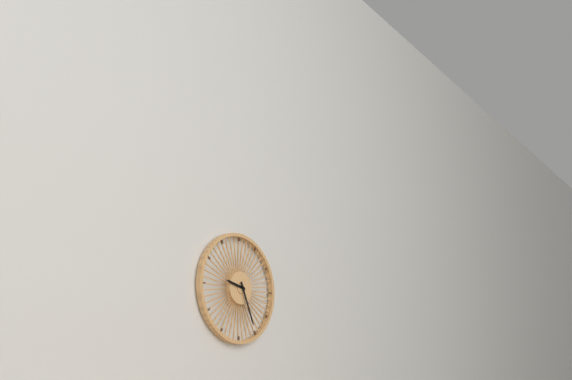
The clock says {"hour": 9, "minute": 26}
